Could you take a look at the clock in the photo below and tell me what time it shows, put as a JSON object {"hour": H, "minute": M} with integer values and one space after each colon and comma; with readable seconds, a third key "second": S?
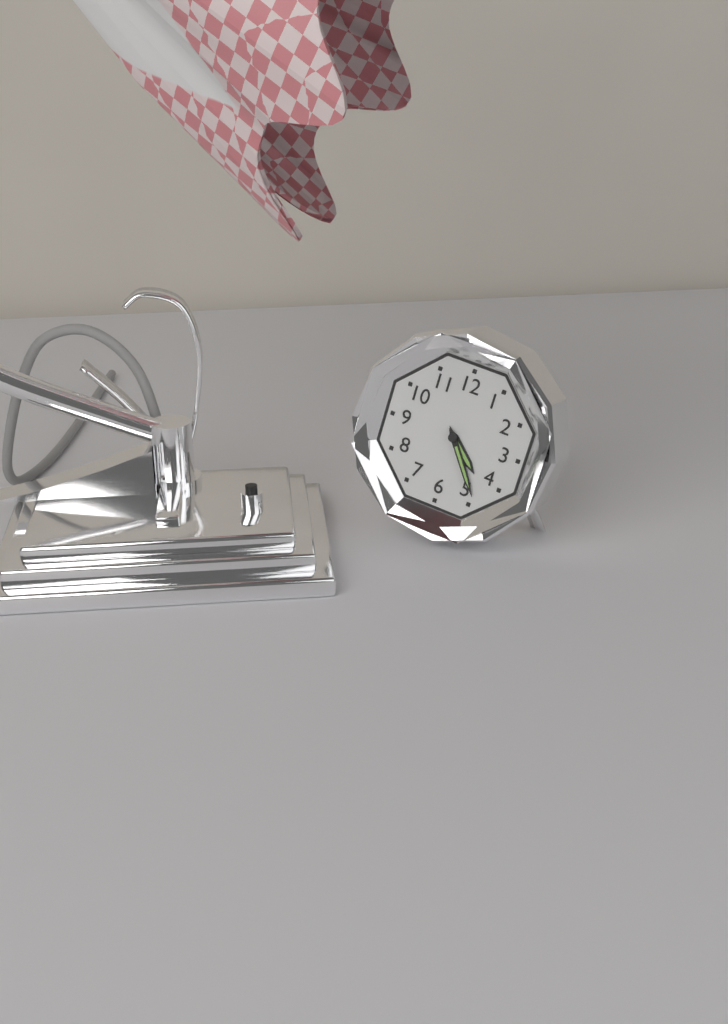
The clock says {"hour": 4, "minute": 24}
